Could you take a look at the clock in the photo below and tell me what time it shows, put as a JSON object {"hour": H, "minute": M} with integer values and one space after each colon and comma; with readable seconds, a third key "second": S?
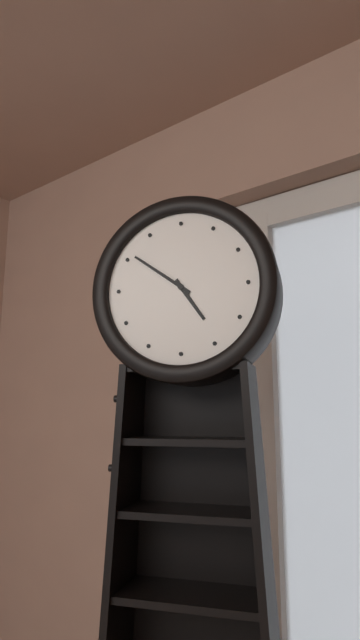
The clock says {"hour": 4, "minute": 51}
